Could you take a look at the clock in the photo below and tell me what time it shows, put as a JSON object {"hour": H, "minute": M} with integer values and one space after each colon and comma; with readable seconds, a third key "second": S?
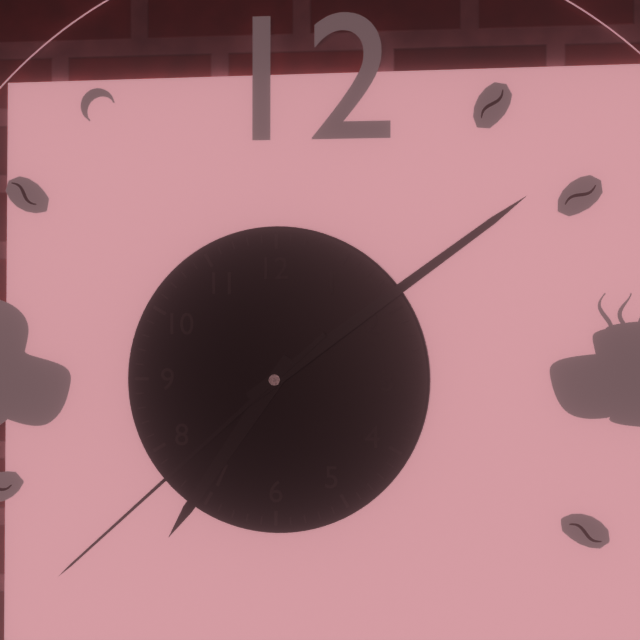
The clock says {"hour": 7, "minute": 9, "second": 38}
